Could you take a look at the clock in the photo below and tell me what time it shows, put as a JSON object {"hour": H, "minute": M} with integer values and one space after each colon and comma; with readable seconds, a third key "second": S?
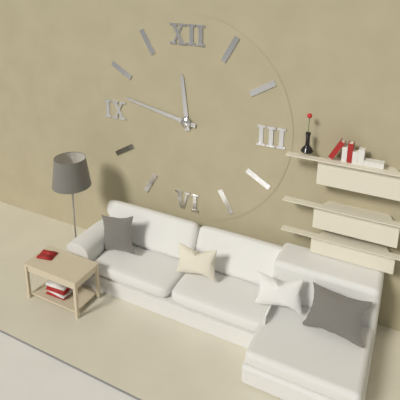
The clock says {"hour": 11, "minute": 47}
